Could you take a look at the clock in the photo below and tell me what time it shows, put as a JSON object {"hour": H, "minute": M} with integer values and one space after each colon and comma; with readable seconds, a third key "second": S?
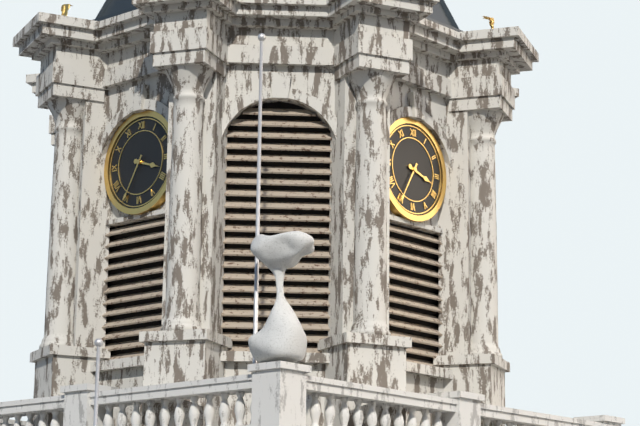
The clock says {"hour": 3, "minute": 35}
